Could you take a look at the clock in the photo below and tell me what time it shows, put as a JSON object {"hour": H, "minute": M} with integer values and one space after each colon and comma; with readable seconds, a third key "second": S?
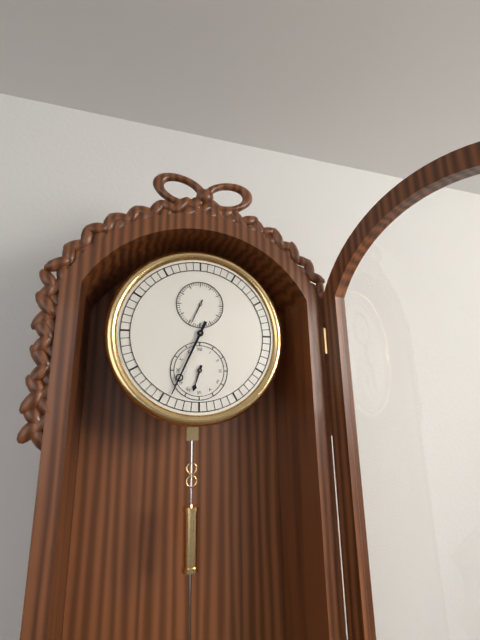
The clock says {"hour": 6, "minute": 34}
